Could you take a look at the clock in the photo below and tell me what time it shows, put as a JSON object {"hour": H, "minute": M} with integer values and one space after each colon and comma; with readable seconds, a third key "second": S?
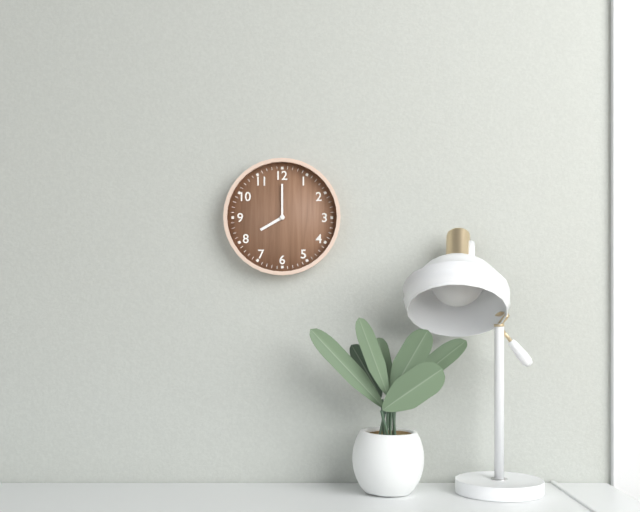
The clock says {"hour": 8, "minute": 0}
